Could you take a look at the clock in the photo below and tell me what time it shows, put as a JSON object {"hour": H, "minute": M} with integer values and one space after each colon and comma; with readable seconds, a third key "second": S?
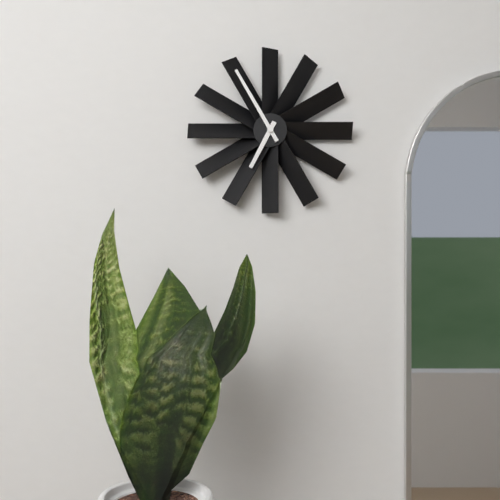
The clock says {"hour": 6, "minute": 55}
